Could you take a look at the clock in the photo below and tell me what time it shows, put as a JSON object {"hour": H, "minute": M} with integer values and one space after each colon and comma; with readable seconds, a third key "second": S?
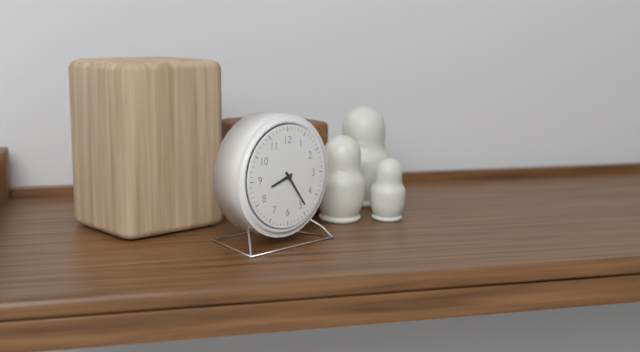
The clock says {"hour": 8, "minute": 24}
